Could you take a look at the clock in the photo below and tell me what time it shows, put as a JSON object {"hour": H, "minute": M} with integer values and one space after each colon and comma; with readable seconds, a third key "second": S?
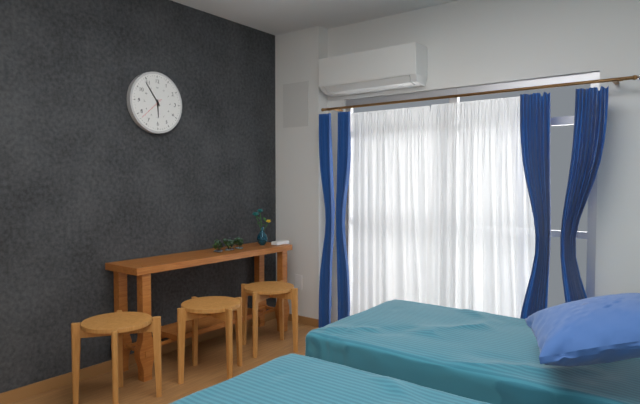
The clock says {"hour": 5, "minute": 54}
